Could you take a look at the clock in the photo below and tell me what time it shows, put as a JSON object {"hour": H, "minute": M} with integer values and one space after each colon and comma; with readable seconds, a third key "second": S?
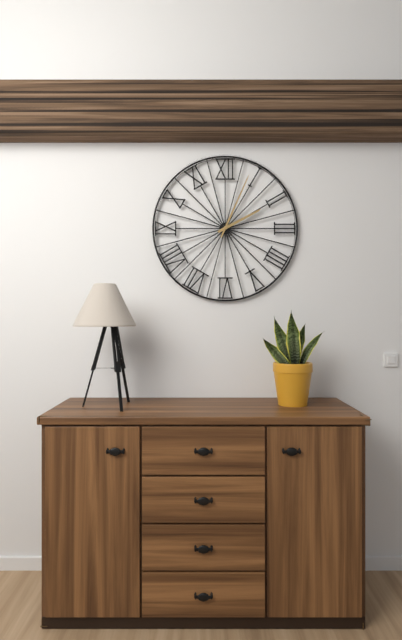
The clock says {"hour": 2, "minute": 4}
